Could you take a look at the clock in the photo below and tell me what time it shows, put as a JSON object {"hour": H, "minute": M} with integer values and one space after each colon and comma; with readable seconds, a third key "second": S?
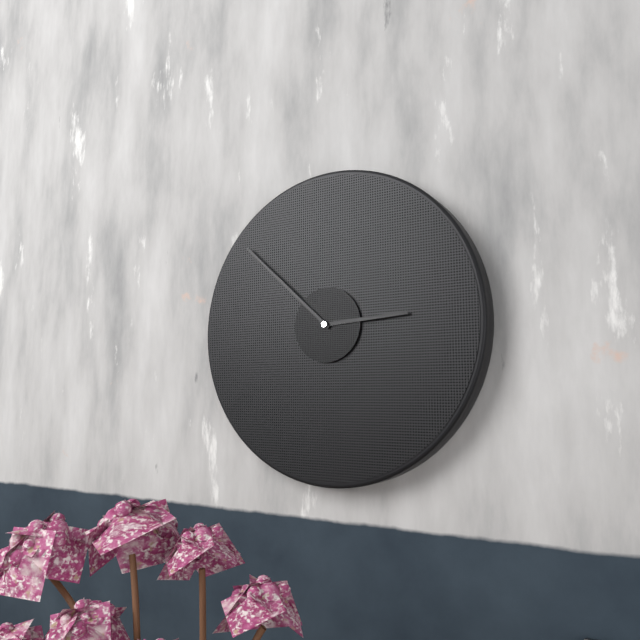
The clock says {"hour": 2, "minute": 52}
